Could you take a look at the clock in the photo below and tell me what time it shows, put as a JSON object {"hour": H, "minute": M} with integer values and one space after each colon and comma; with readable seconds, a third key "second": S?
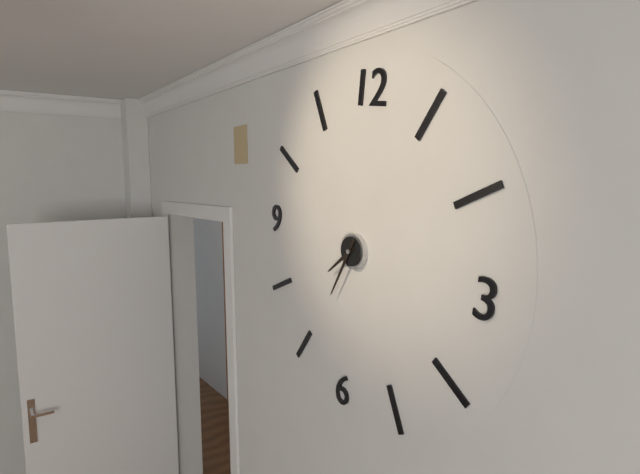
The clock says {"hour": 7, "minute": 34}
